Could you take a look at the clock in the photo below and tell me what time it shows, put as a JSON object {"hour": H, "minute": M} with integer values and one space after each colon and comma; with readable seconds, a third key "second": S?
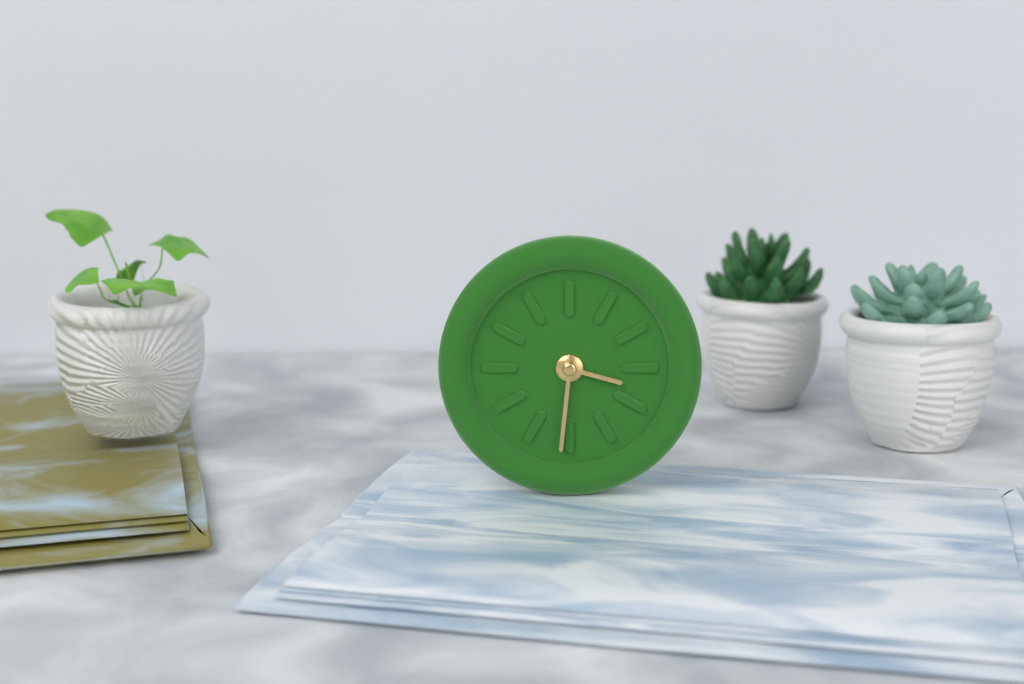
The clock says {"hour": 3, "minute": 31}
